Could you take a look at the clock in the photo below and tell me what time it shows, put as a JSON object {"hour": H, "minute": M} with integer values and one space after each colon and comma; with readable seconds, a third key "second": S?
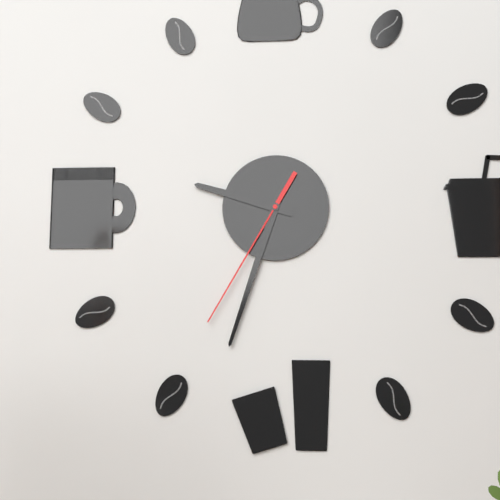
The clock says {"hour": 9, "minute": 33, "second": 35}
